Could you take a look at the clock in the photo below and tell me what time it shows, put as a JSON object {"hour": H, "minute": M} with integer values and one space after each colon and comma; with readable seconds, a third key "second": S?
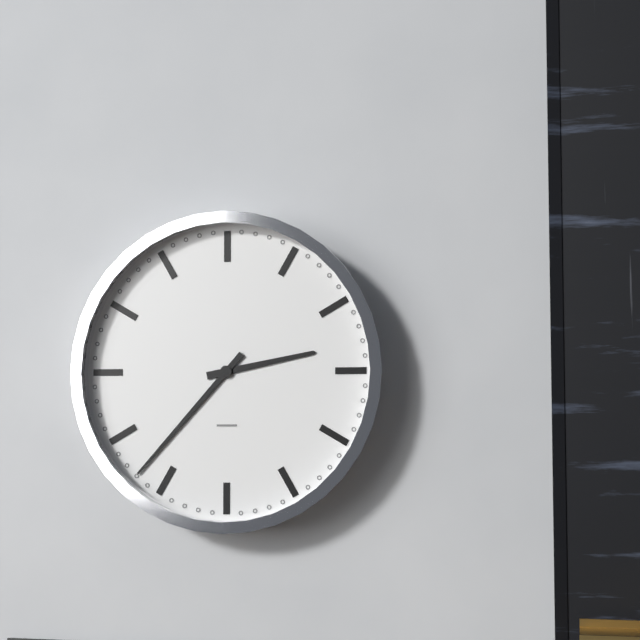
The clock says {"hour": 2, "minute": 37}
